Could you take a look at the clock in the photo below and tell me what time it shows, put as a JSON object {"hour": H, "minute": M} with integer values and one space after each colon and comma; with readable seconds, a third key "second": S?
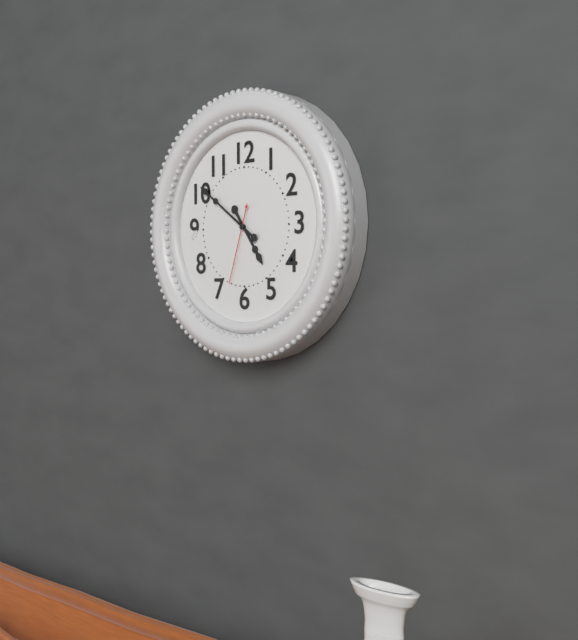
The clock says {"hour": 4, "minute": 51, "second": 33}
